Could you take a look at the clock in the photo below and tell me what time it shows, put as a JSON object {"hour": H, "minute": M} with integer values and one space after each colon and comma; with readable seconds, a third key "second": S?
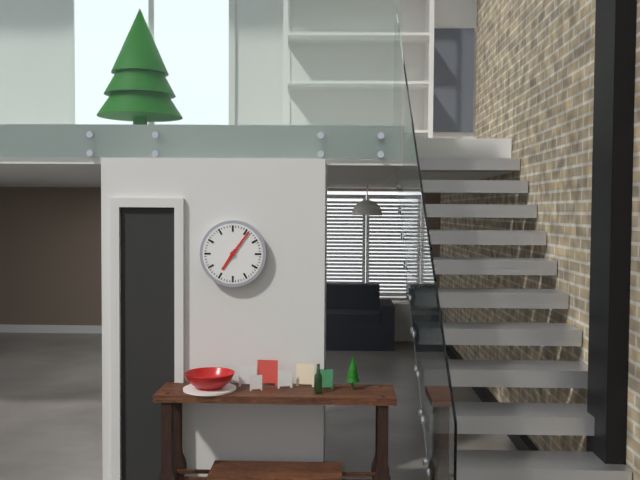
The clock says {"hour": 7, "minute": 6}
